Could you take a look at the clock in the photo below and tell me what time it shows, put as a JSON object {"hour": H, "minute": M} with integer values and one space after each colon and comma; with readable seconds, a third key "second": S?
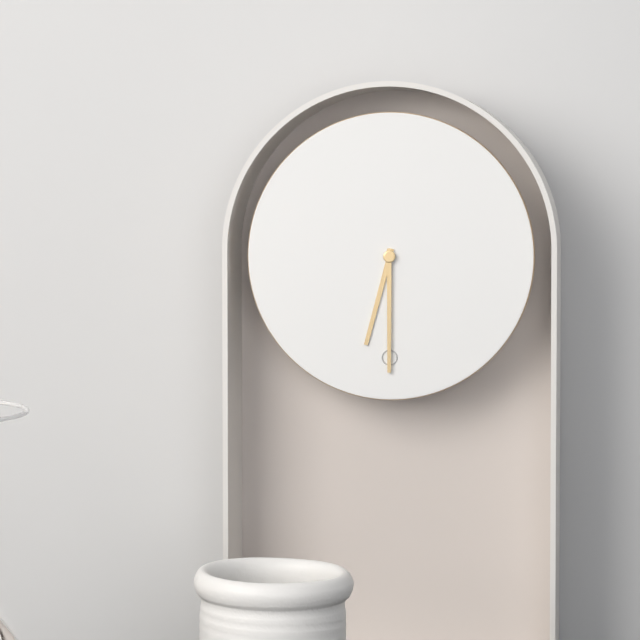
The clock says {"hour": 6, "minute": 30}
